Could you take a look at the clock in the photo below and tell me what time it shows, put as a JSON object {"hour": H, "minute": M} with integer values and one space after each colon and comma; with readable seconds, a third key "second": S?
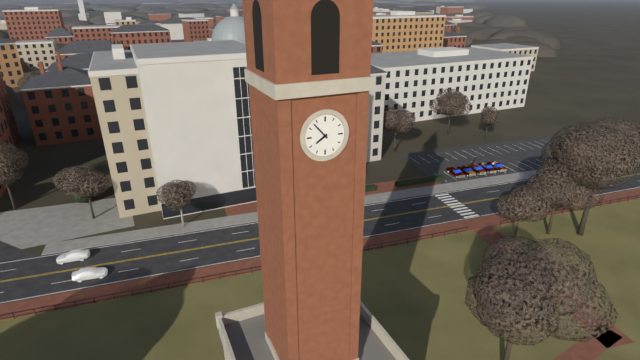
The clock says {"hour": 7, "minute": 53}
